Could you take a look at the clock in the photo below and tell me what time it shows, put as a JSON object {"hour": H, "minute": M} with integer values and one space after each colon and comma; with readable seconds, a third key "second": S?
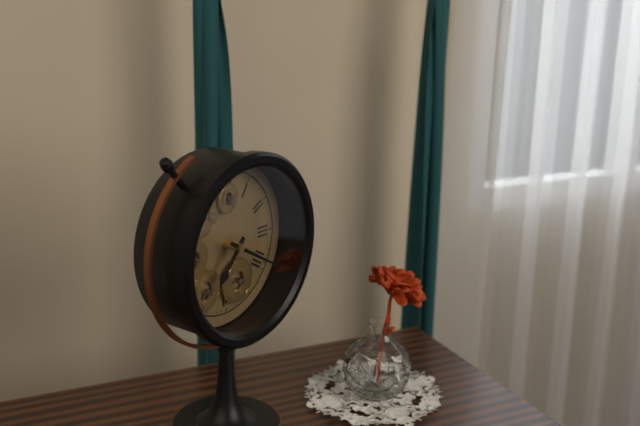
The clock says {"hour": 7, "minute": 20}
